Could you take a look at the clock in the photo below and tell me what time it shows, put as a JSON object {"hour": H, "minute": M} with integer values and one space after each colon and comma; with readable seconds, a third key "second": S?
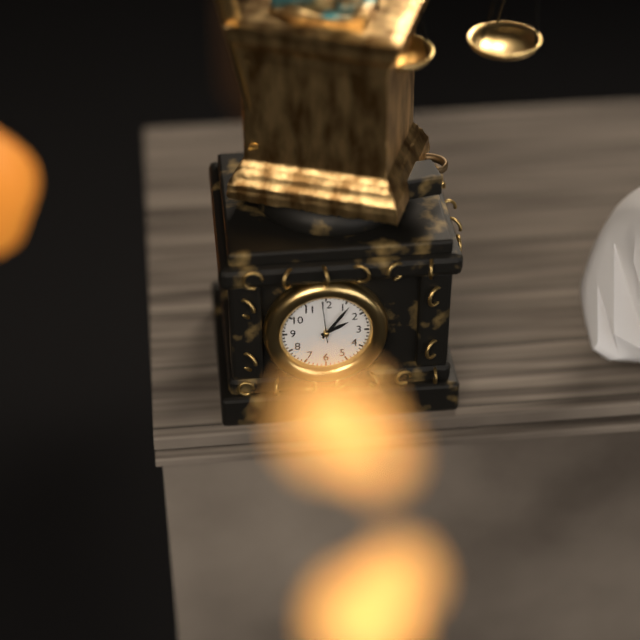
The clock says {"hour": 2, "minute": 6}
